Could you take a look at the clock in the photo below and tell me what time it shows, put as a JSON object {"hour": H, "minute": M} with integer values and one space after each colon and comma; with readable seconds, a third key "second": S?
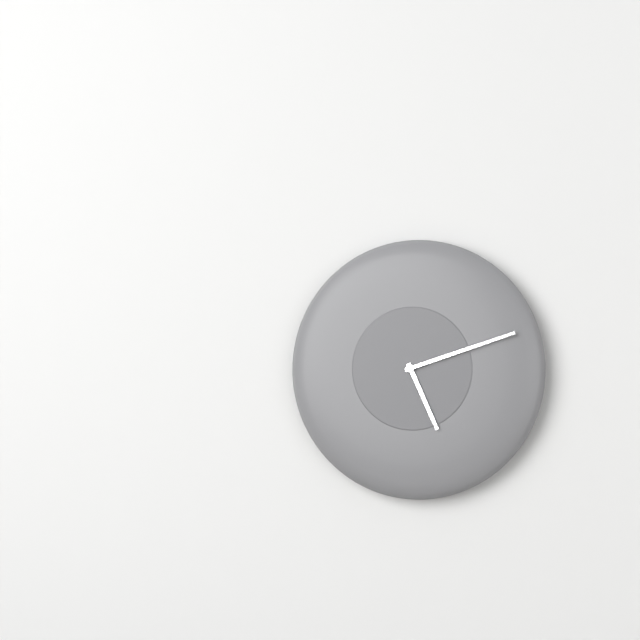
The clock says {"hour": 5, "minute": 12}
